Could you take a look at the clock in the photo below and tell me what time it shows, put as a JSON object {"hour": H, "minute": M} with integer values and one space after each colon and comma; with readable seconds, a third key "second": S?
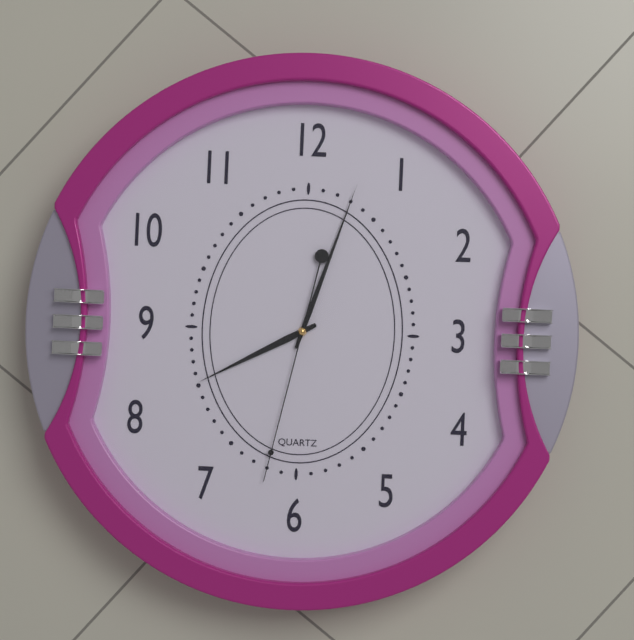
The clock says {"hour": 8, "minute": 3, "second": 32}
